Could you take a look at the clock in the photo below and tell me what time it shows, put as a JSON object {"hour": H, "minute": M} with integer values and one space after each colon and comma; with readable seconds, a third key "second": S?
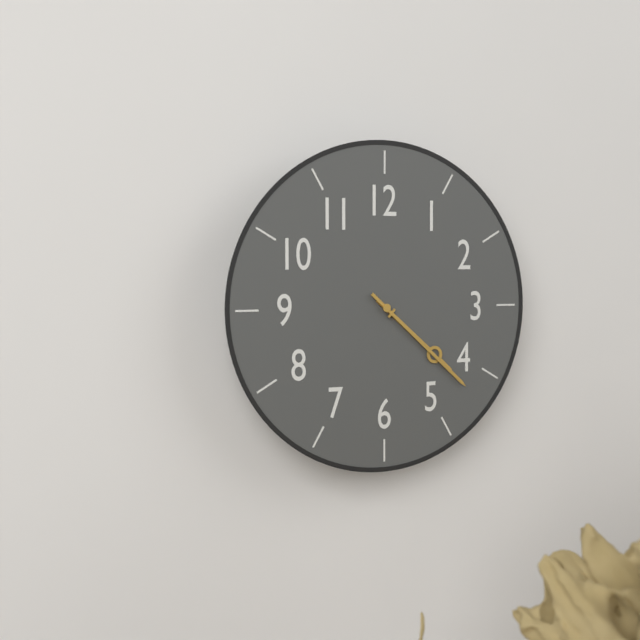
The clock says {"hour": 4, "minute": 22}
